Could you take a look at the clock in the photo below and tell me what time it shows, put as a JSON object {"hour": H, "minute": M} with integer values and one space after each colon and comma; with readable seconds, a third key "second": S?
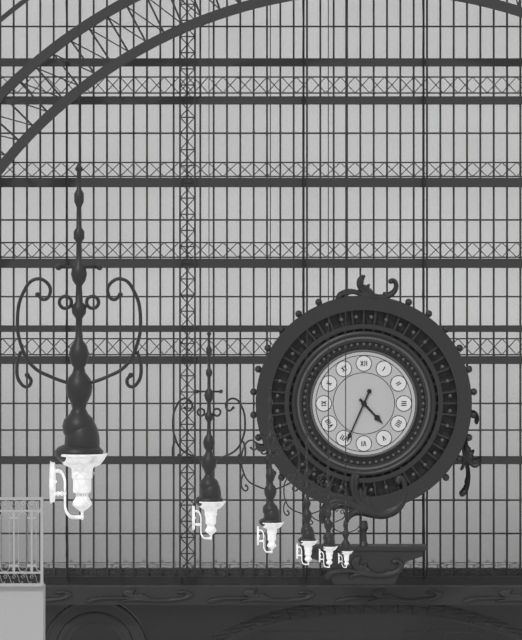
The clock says {"hour": 4, "minute": 34}
